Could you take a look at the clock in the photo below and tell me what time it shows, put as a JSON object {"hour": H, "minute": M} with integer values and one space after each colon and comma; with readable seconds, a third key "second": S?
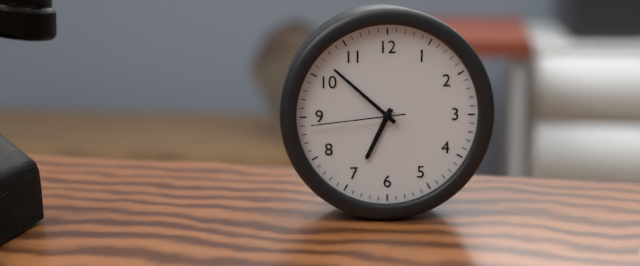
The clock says {"hour": 6, "minute": 52, "second": 44}
